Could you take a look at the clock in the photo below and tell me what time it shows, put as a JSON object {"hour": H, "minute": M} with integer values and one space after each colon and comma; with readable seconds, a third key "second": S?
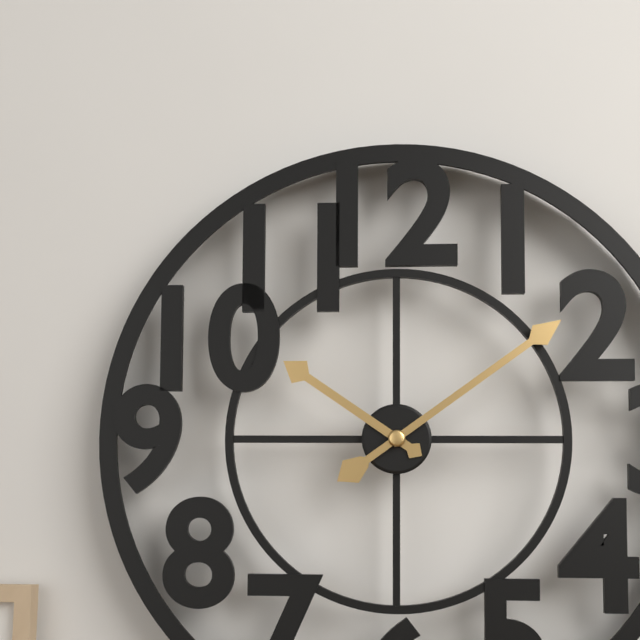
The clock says {"hour": 10, "minute": 9}
